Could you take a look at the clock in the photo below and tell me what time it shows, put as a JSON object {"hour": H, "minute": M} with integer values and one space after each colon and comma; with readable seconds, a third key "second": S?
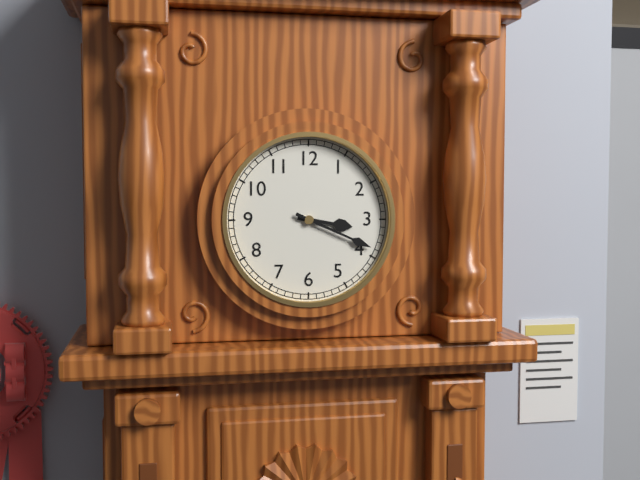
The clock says {"hour": 3, "minute": 19}
